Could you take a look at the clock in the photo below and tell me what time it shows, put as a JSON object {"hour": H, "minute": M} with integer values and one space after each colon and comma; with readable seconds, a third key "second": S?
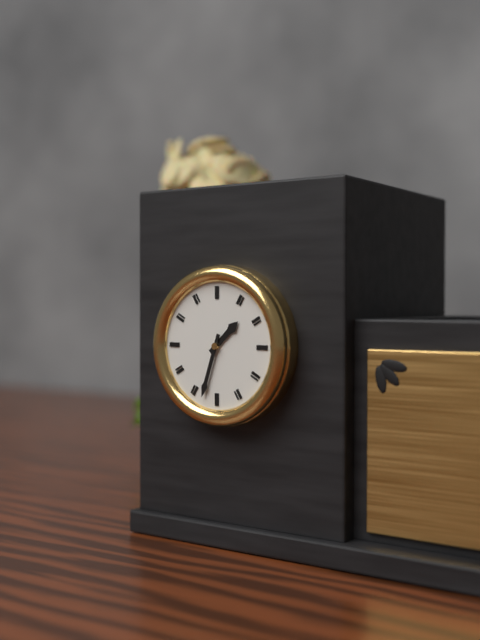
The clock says {"hour": 1, "minute": 33}
